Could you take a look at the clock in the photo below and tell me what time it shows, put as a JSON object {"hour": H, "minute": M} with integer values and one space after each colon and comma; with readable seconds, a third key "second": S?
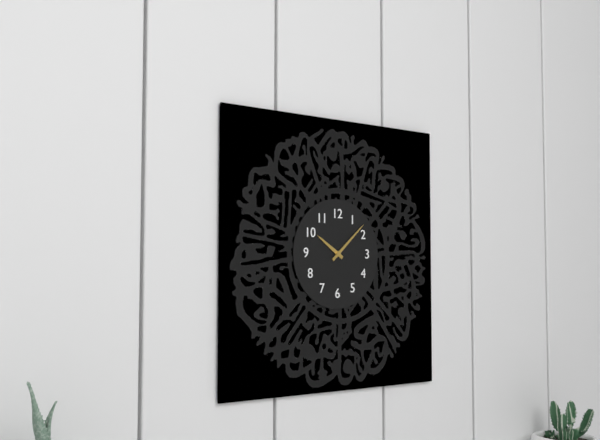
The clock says {"hour": 10, "minute": 8}
